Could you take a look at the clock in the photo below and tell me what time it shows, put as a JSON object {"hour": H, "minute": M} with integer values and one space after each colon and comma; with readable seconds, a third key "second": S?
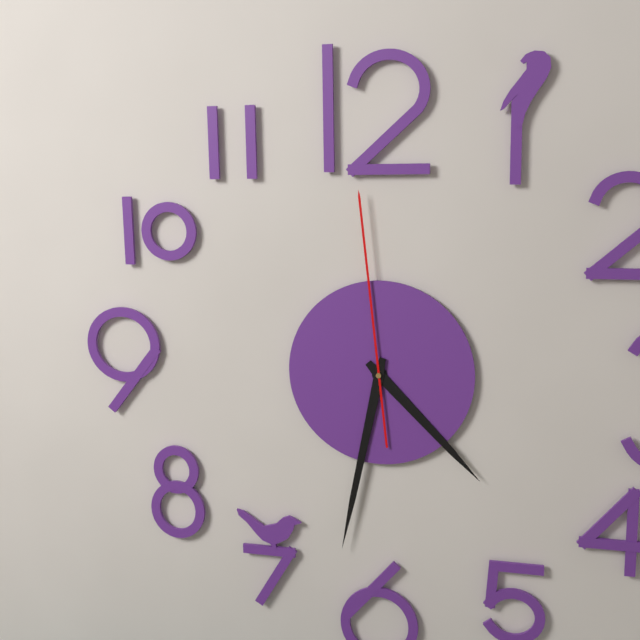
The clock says {"hour": 4, "minute": 32, "second": 59}
